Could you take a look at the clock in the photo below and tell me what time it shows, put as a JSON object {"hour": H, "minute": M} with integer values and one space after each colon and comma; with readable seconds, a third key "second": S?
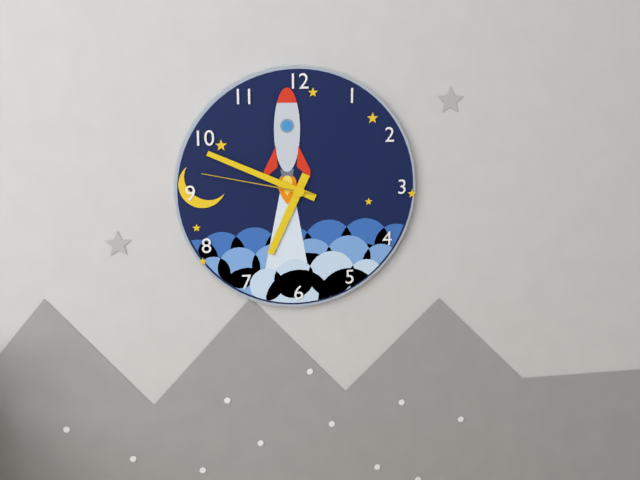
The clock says {"hour": 6, "minute": 49, "second": 47}
